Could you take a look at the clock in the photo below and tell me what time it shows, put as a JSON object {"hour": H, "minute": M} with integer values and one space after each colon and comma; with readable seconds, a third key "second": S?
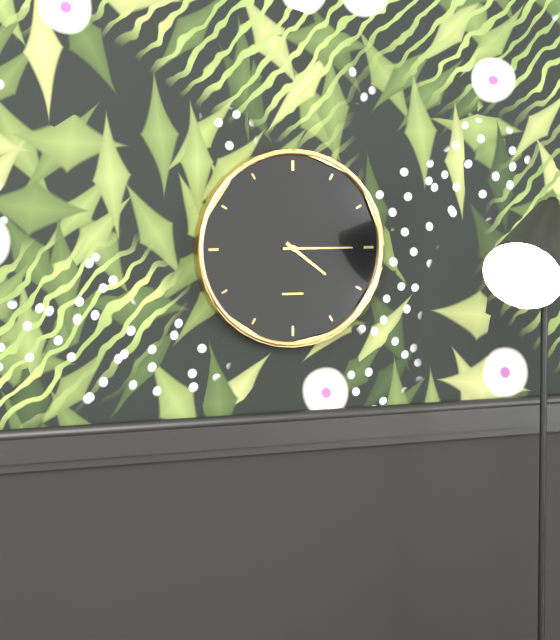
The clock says {"hour": 4, "minute": 15}
